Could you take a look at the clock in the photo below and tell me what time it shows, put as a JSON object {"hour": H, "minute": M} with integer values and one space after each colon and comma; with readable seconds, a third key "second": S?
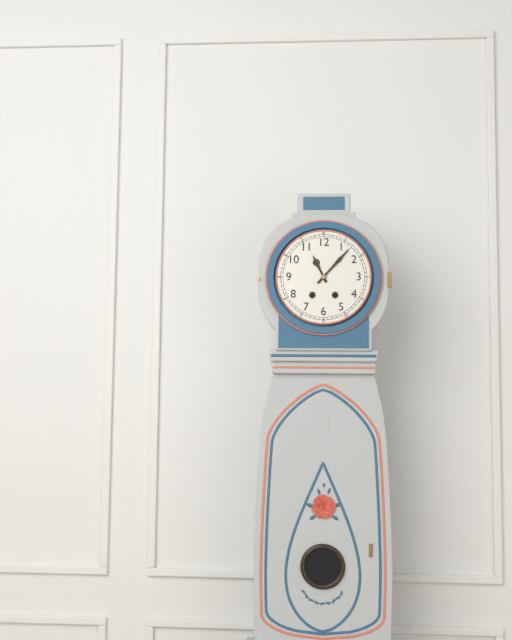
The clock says {"hour": 11, "minute": 7}
